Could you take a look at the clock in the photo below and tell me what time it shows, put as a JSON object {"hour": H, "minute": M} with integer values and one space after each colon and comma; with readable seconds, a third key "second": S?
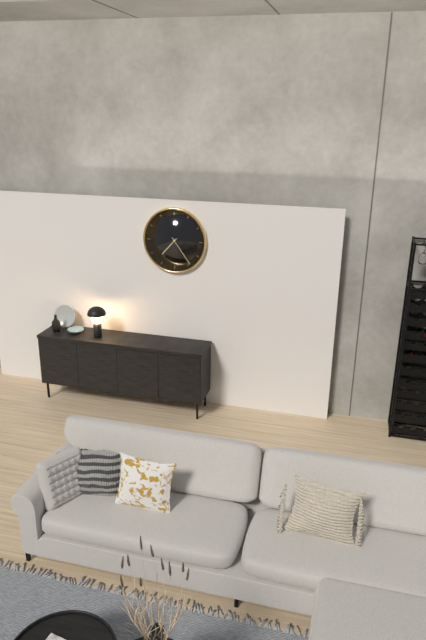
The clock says {"hour": 7, "minute": 24}
